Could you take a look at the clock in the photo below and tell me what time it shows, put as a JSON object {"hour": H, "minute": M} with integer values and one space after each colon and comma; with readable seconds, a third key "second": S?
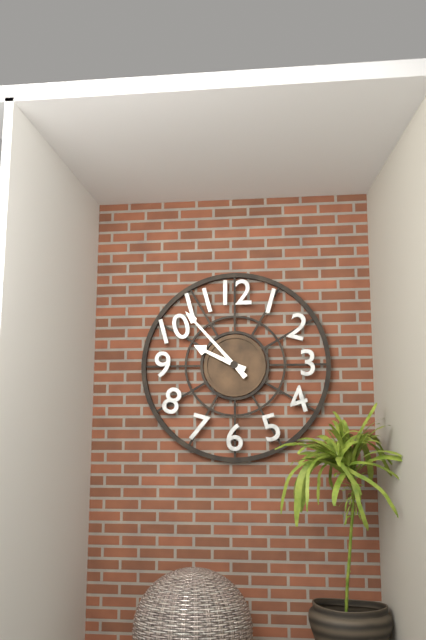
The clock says {"hour": 9, "minute": 53}
